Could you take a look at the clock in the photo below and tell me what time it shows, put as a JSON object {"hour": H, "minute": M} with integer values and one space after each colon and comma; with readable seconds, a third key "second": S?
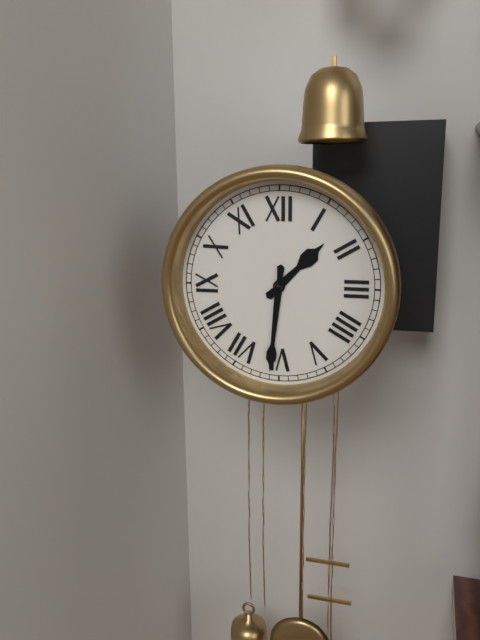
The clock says {"hour": 1, "minute": 31}
